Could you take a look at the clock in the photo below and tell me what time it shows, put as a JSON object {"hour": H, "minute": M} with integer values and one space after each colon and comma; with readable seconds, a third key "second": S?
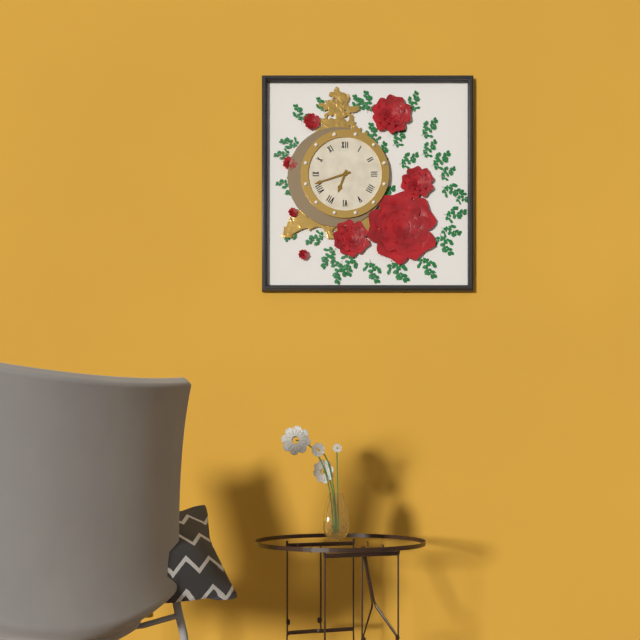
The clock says {"hour": 6, "minute": 42}
